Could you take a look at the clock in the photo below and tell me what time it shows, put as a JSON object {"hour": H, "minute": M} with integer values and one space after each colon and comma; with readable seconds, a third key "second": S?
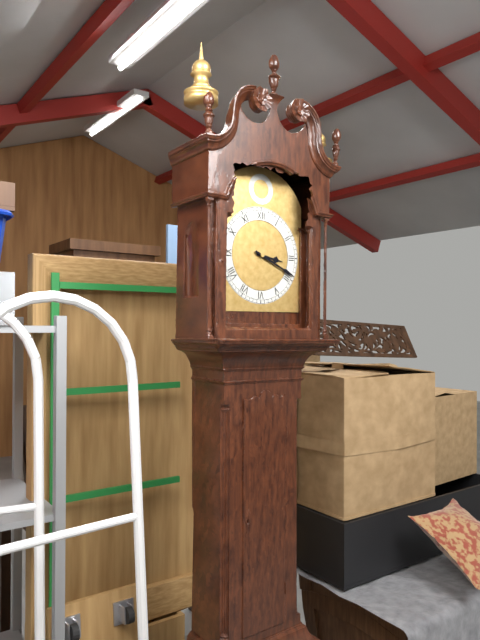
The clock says {"hour": 3, "minute": 19}
